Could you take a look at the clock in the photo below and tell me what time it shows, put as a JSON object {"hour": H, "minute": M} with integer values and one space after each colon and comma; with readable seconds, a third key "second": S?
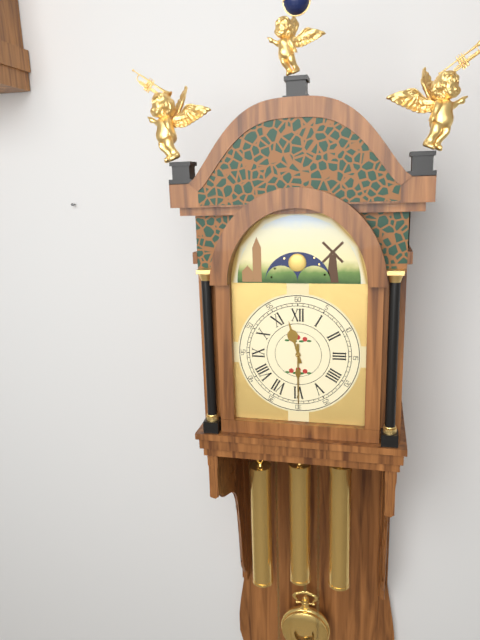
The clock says {"hour": 11, "minute": 30}
